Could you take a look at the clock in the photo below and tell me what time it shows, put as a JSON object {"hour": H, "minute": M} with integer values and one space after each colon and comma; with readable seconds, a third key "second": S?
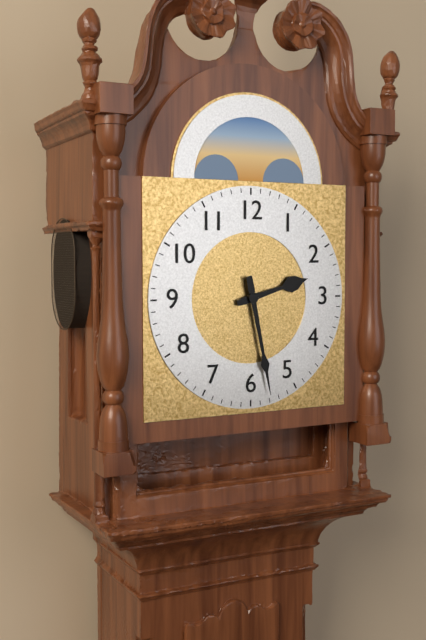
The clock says {"hour": 2, "minute": 28}
